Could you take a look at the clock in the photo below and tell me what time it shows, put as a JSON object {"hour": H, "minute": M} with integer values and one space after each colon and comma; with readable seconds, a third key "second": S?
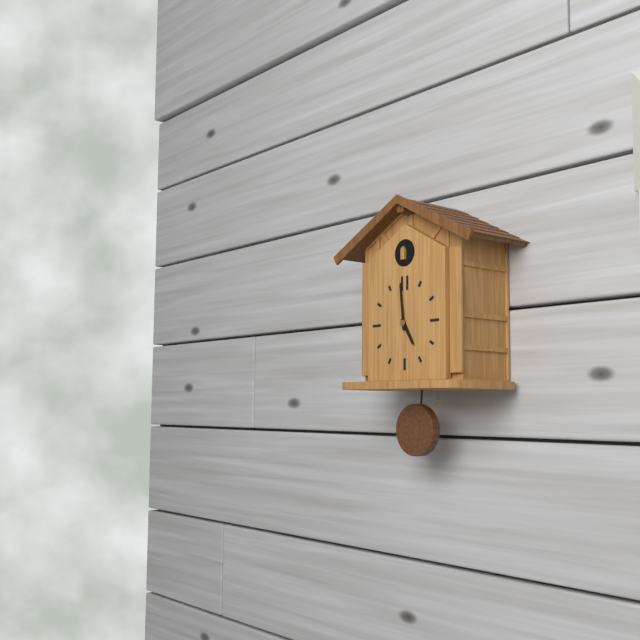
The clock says {"hour": 4, "minute": 59}
